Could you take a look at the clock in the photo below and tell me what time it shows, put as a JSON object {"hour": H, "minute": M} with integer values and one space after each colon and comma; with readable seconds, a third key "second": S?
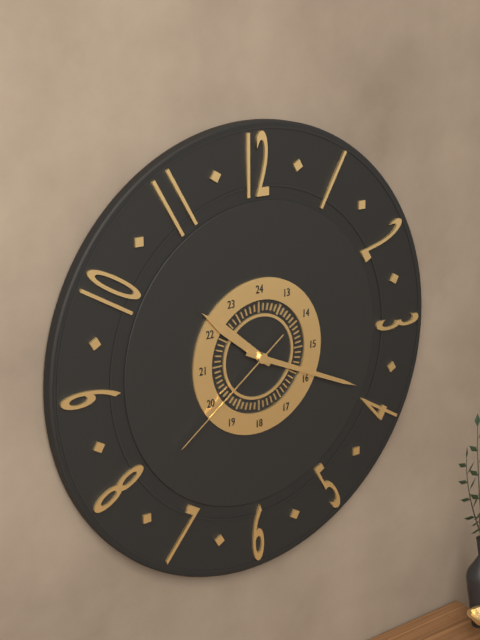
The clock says {"hour": 10, "minute": 19, "second": 39}
